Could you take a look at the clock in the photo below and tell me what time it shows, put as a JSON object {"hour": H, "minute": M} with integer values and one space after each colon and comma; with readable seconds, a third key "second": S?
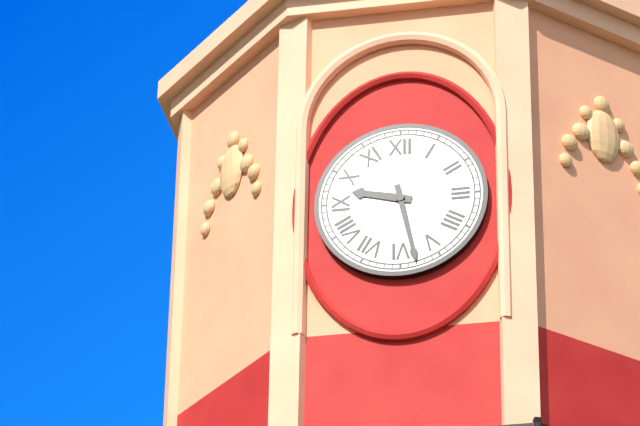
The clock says {"hour": 9, "minute": 28}
